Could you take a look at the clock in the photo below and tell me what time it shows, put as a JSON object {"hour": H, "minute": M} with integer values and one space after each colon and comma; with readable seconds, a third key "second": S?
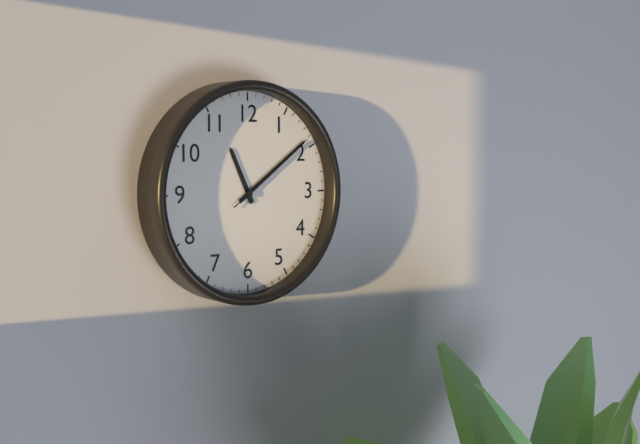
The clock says {"hour": 11, "minute": 9, "second": 9}
